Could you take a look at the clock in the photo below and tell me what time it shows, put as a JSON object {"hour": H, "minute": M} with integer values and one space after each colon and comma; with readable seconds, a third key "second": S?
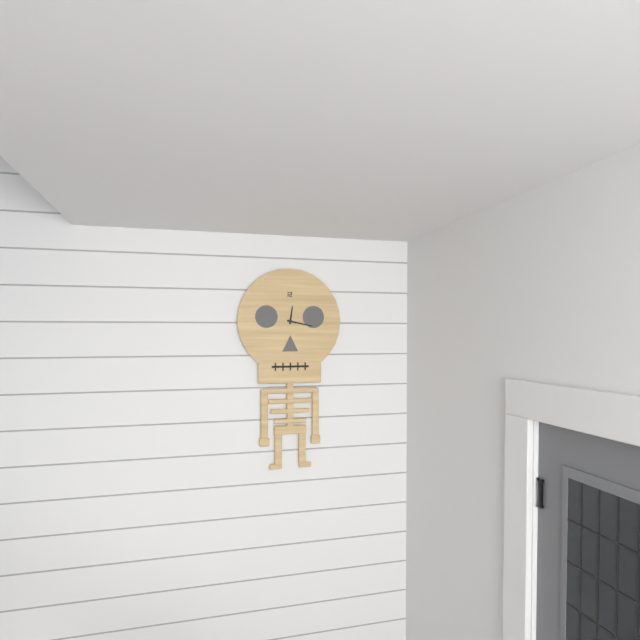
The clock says {"hour": 12, "minute": 17}
